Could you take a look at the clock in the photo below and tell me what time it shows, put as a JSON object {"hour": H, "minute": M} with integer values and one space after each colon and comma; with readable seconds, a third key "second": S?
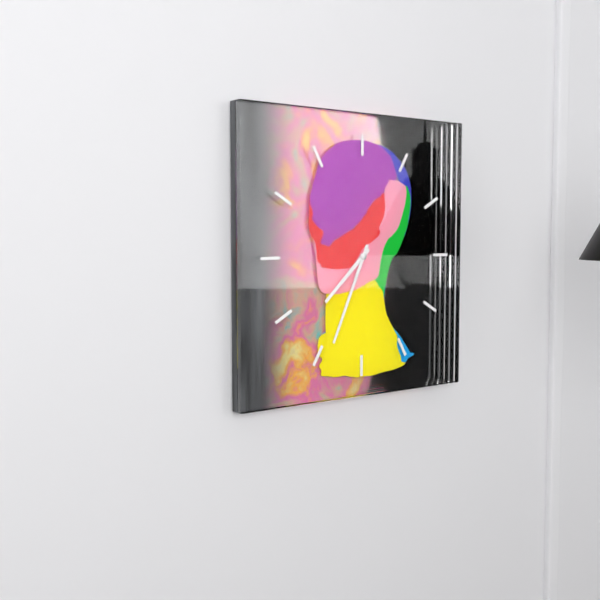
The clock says {"hour": 7, "minute": 34}
